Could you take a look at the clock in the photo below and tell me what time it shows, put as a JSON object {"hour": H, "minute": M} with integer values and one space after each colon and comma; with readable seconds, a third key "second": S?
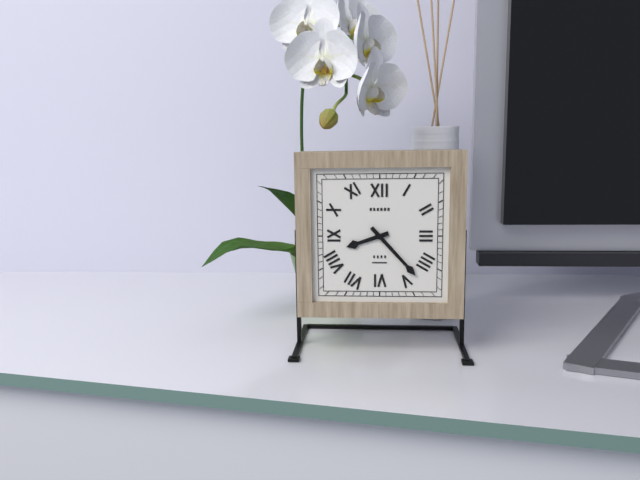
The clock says {"hour": 8, "minute": 23}
